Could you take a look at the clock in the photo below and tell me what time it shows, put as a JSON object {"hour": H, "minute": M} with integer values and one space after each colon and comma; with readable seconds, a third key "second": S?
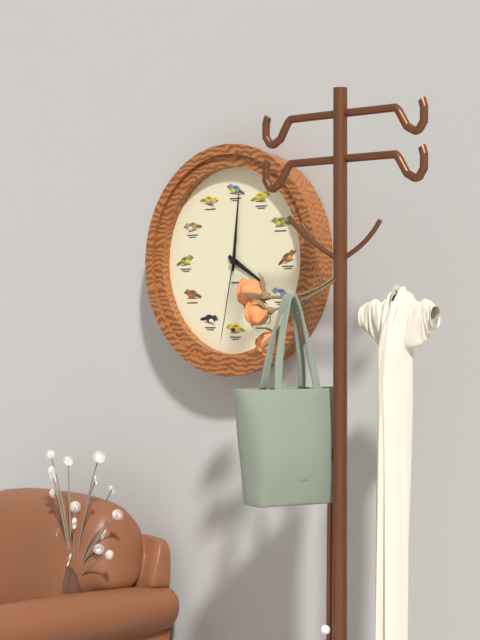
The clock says {"hour": 4, "minute": 1, "second": 32}
